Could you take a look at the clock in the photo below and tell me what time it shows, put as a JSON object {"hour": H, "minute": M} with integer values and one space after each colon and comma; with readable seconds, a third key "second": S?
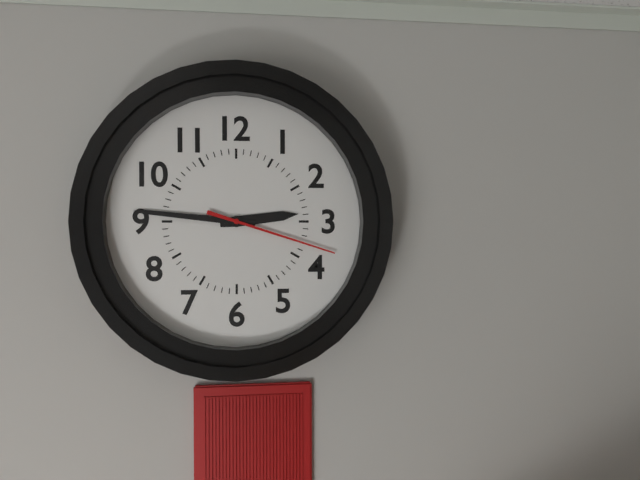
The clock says {"hour": 2, "minute": 46, "second": 18}
